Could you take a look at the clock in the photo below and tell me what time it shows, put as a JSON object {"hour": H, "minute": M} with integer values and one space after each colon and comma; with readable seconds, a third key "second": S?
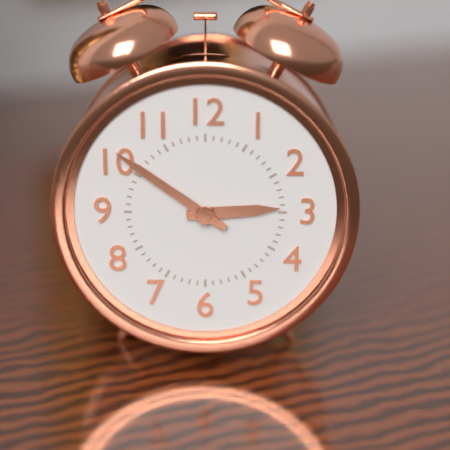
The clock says {"hour": 2, "minute": 51}
